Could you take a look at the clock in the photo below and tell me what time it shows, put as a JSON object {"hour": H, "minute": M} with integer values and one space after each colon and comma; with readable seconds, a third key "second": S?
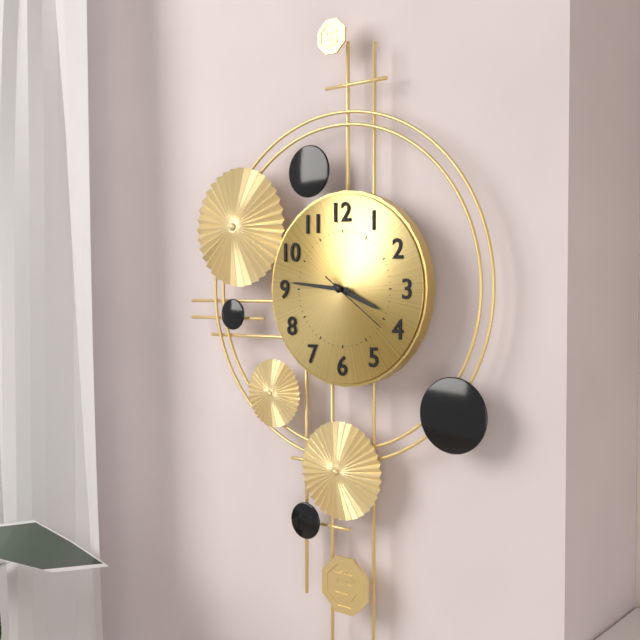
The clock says {"hour": 3, "minute": 46, "second": 21}
